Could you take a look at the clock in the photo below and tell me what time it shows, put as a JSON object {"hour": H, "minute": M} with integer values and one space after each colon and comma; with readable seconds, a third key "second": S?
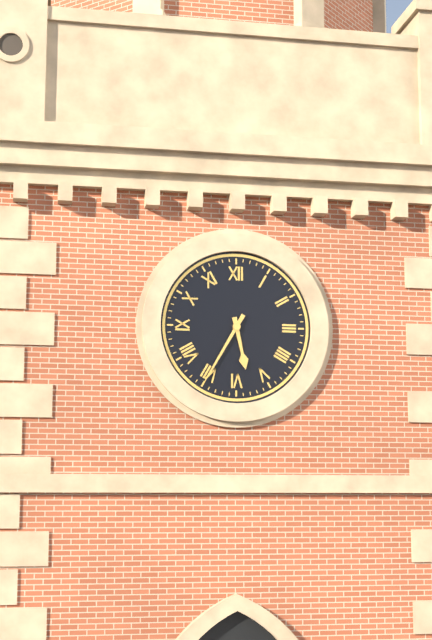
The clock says {"hour": 5, "minute": 35}
